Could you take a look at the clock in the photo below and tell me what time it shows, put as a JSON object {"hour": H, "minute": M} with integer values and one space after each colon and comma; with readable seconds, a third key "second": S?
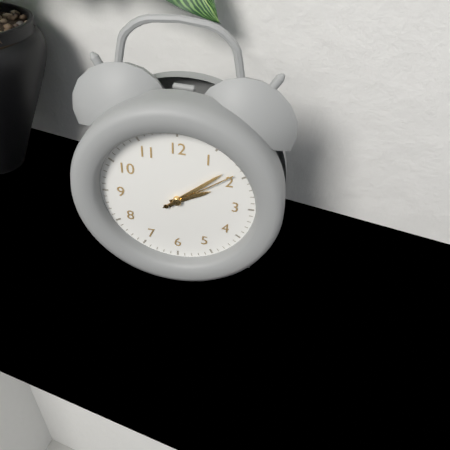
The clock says {"hour": 2, "minute": 8, "second": 9}
